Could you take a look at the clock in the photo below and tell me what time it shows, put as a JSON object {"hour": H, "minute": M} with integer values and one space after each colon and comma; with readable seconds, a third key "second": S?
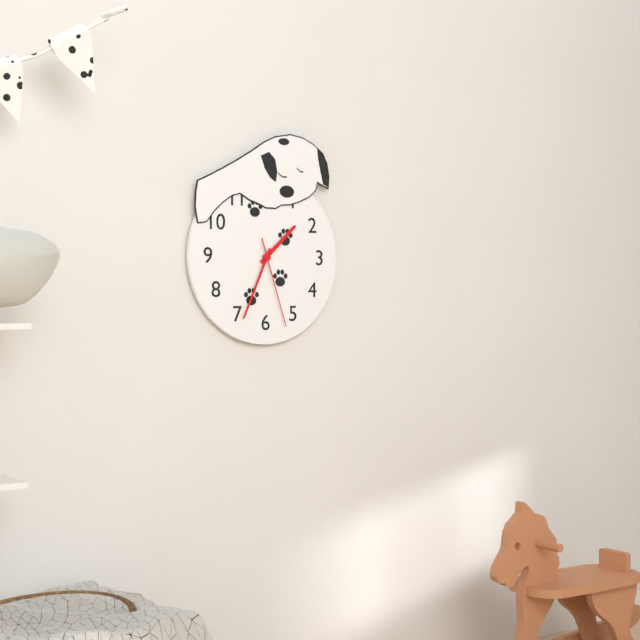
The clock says {"hour": 1, "minute": 34, "second": 27}
